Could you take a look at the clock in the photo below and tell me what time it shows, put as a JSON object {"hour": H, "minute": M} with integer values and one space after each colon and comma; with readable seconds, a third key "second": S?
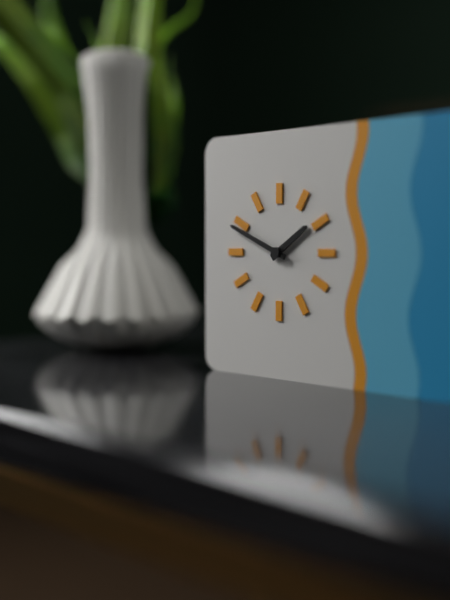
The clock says {"hour": 1, "minute": 49}
